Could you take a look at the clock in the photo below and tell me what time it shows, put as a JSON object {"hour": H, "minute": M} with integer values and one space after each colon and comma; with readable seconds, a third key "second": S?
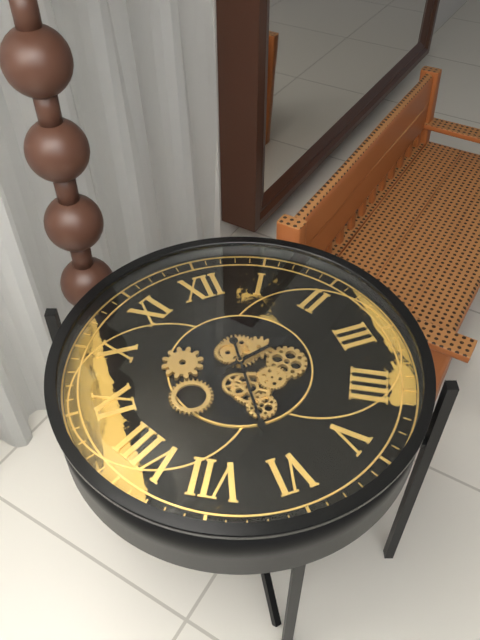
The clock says {"hour": 2, "minute": 31}
